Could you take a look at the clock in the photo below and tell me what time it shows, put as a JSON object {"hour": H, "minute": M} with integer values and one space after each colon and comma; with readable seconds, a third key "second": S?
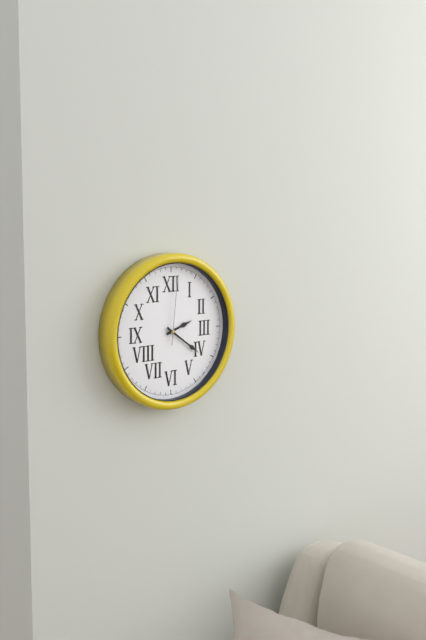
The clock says {"hour": 2, "minute": 21, "second": 1}
